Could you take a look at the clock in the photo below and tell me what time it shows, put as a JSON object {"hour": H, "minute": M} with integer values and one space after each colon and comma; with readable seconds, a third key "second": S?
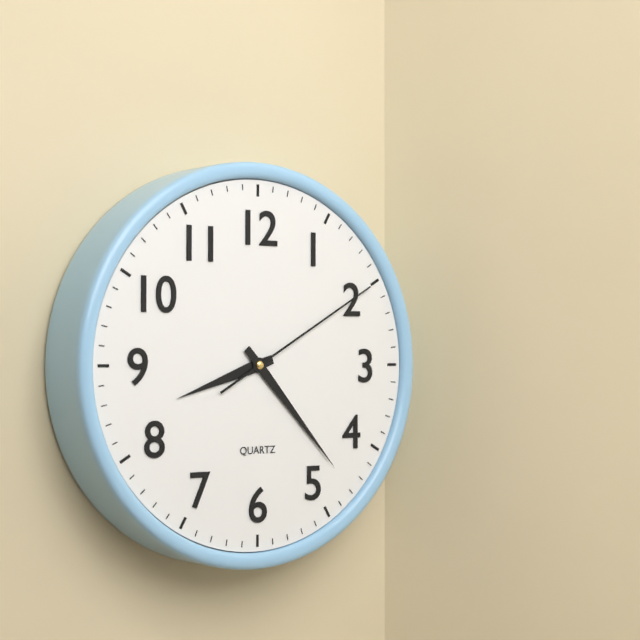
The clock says {"hour": 8, "minute": 23, "second": 10}
